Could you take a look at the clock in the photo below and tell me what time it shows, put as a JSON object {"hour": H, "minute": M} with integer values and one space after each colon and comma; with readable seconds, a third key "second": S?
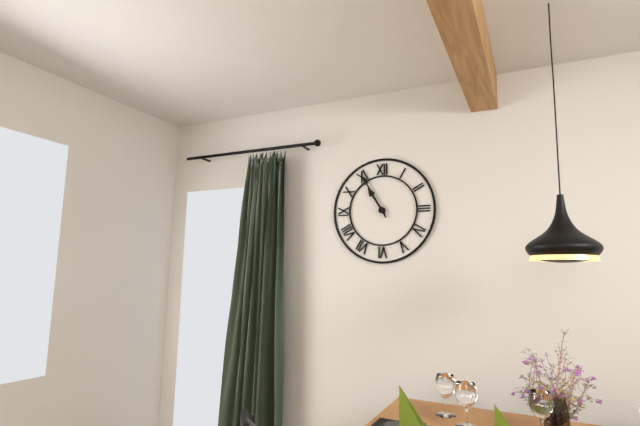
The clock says {"hour": 10, "minute": 55}
